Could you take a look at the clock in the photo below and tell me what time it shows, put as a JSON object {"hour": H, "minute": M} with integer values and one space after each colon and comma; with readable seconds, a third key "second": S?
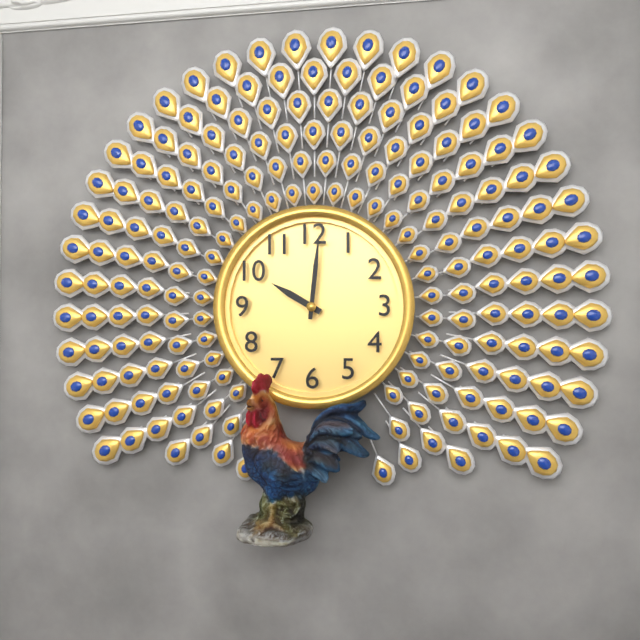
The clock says {"hour": 10, "minute": 1}
